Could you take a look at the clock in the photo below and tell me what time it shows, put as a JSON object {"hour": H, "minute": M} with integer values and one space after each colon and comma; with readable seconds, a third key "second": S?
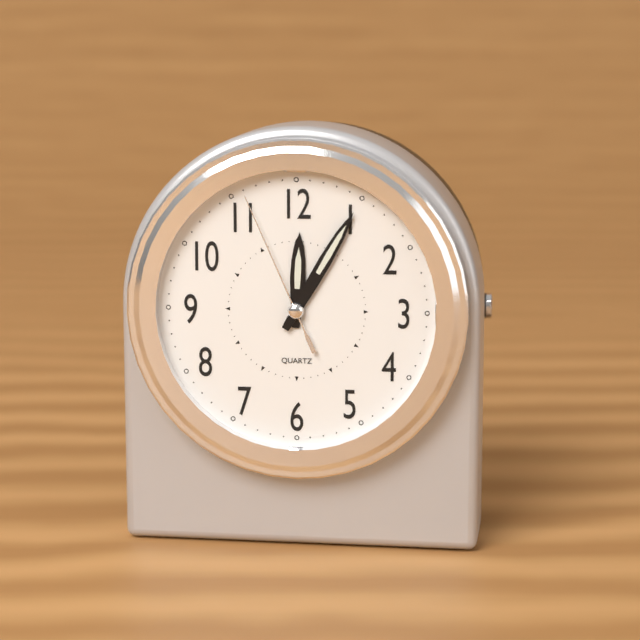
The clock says {"hour": 12, "minute": 5, "second": 56}
